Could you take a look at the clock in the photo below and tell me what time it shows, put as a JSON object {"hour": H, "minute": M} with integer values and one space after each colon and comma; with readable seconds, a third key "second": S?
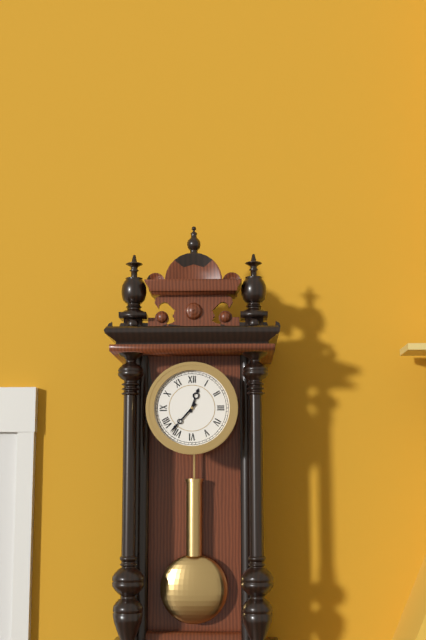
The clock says {"hour": 12, "minute": 37}
